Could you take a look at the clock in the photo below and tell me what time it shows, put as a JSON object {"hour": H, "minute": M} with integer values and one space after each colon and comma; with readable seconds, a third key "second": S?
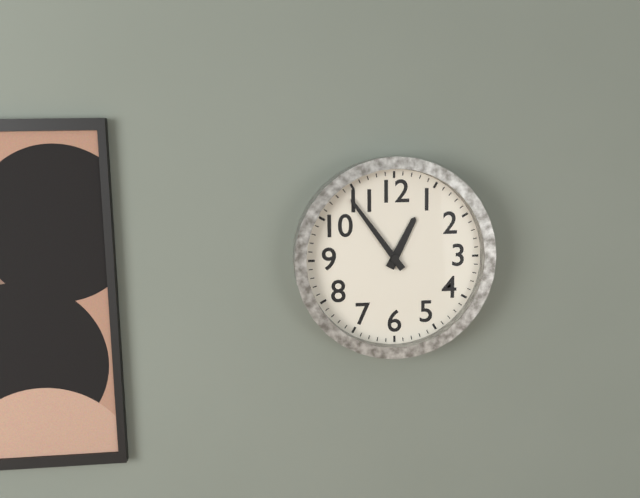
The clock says {"hour": 12, "minute": 54}
